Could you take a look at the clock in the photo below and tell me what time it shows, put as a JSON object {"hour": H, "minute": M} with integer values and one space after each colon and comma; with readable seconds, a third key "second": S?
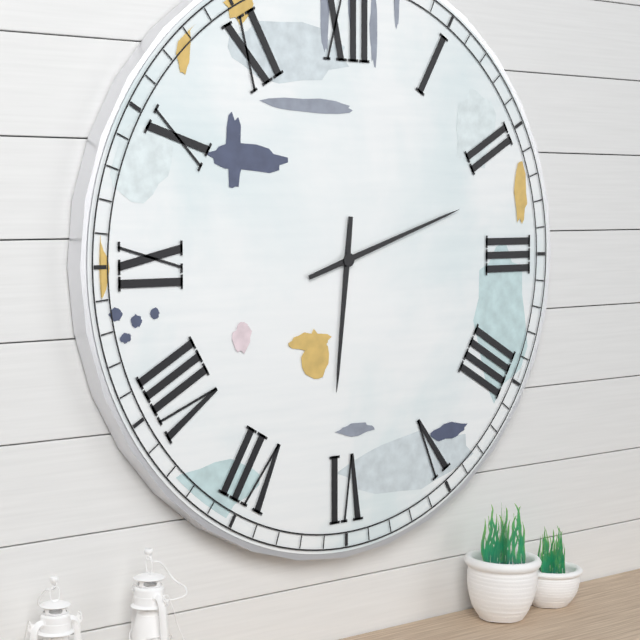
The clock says {"hour": 6, "minute": 12}
